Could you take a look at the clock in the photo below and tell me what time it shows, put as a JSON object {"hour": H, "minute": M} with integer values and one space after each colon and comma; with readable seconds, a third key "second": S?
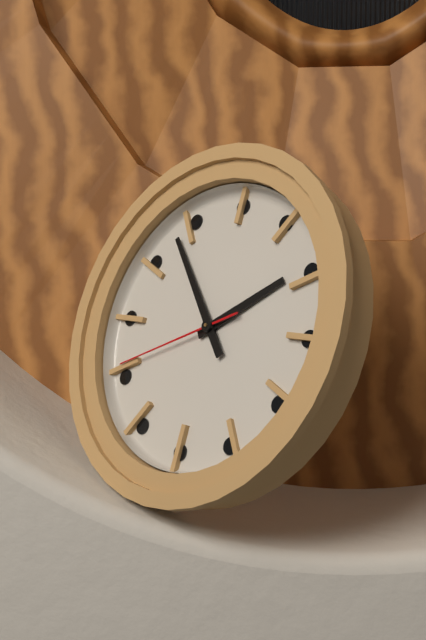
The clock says {"hour": 1, "minute": 53, "second": 41}
